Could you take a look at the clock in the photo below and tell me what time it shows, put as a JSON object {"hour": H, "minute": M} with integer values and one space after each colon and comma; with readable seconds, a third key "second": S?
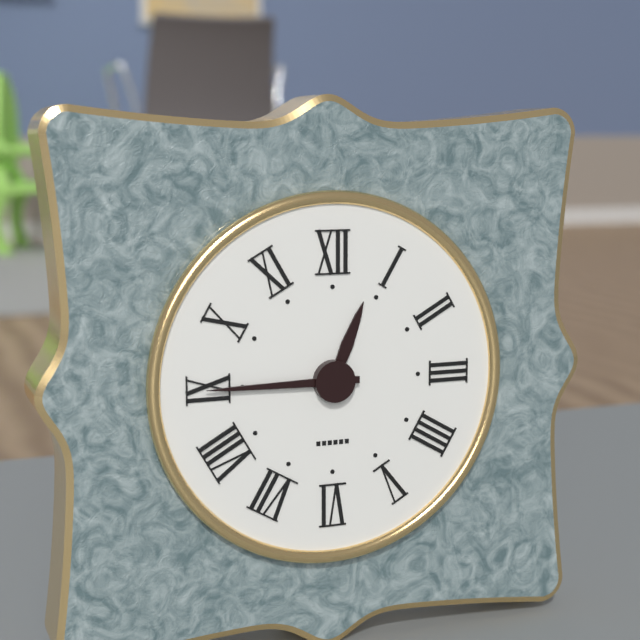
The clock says {"hour": 12, "minute": 45}
